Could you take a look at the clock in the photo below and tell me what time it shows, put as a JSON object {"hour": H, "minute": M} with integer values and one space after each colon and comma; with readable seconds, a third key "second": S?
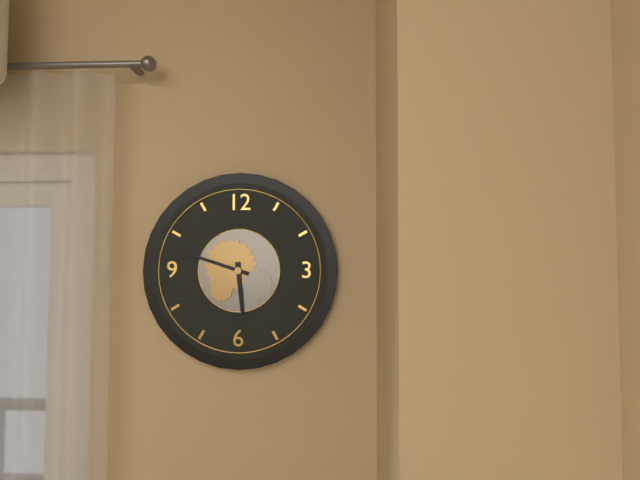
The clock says {"hour": 5, "minute": 48}
